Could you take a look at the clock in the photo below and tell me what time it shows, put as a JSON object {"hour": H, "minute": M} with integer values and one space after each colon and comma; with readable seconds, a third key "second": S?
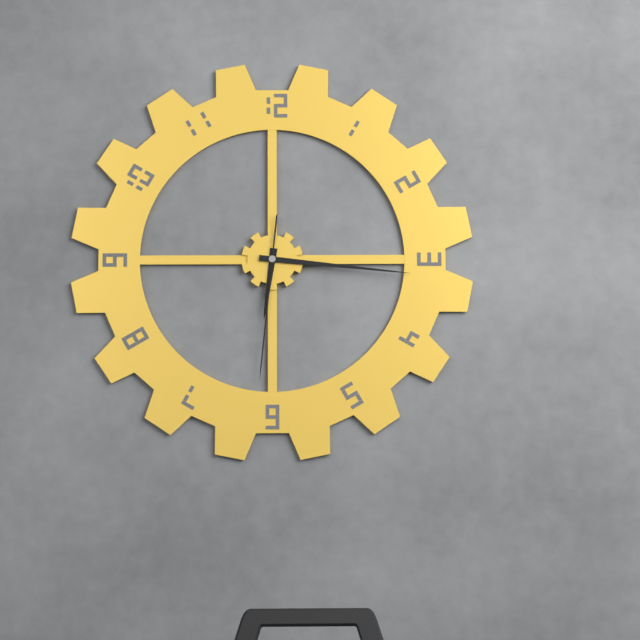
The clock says {"hour": 6, "minute": 16, "second": 31}
